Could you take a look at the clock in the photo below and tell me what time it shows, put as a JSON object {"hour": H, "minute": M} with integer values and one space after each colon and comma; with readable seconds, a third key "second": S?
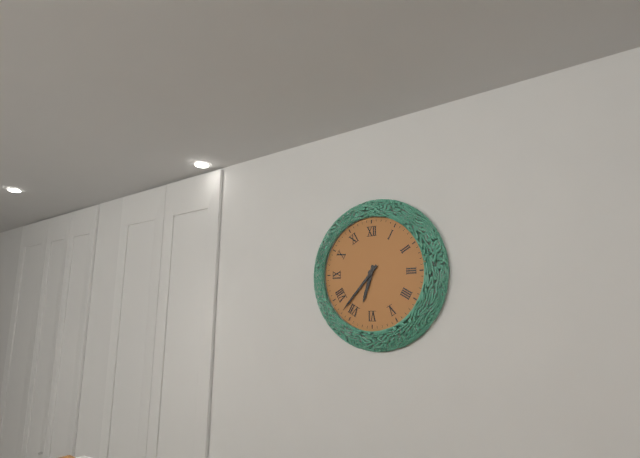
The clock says {"hour": 6, "minute": 37}
